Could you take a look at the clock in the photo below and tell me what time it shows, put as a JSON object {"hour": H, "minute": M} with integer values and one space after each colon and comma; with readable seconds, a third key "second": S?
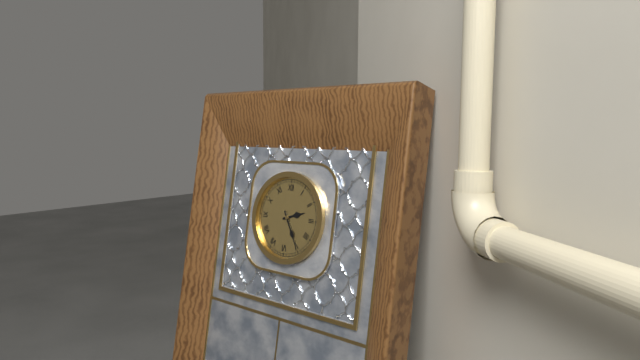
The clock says {"hour": 2, "minute": 25}
